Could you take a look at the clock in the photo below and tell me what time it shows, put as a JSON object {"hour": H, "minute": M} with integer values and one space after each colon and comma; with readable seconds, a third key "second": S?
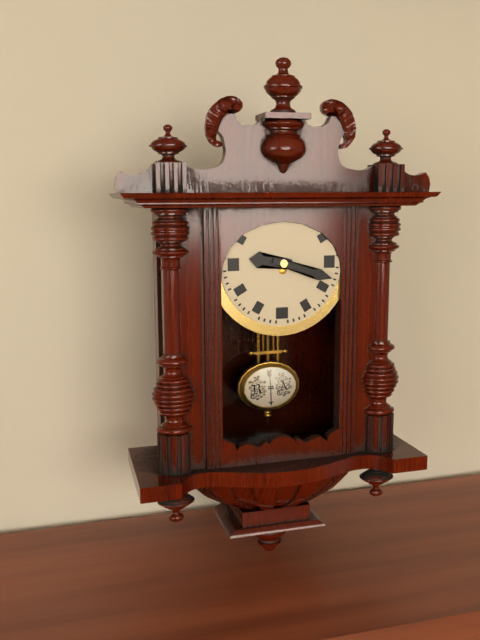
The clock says {"hour": 9, "minute": 18}
